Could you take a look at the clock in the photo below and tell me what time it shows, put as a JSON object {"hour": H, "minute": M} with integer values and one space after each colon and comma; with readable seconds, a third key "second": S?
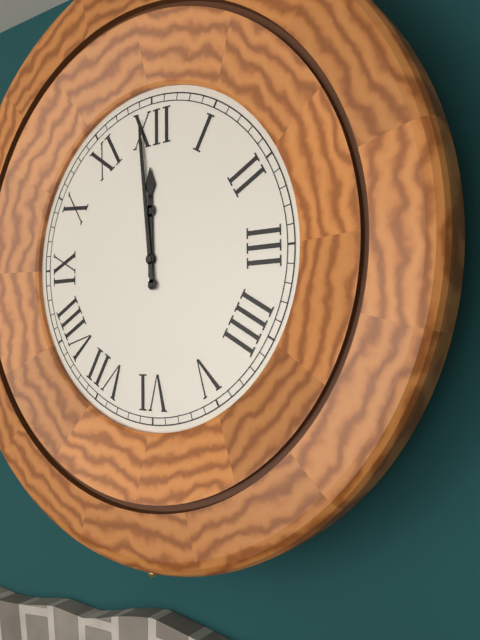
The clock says {"hour": 11, "minute": 59}
